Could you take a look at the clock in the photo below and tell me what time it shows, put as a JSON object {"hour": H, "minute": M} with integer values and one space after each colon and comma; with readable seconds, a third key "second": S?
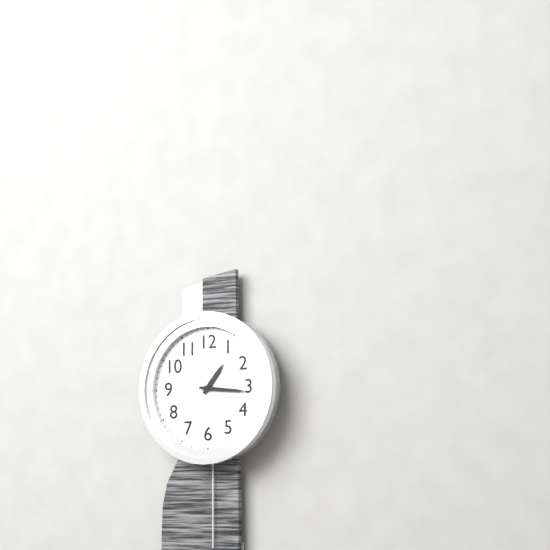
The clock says {"hour": 1, "minute": 16}
